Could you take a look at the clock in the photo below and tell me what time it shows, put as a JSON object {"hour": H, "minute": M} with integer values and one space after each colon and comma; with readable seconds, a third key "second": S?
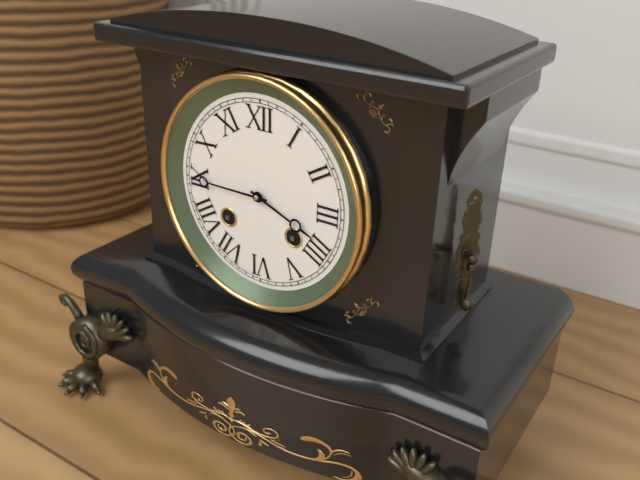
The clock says {"hour": 3, "minute": 45}
